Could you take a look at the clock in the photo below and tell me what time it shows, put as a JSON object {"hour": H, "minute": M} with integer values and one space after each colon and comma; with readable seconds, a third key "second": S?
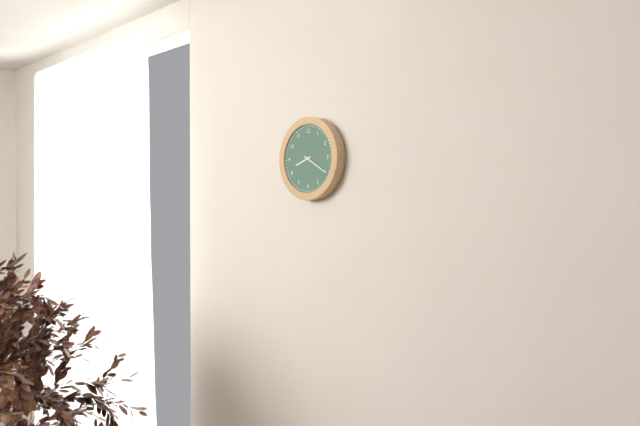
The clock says {"hour": 8, "minute": 20}
